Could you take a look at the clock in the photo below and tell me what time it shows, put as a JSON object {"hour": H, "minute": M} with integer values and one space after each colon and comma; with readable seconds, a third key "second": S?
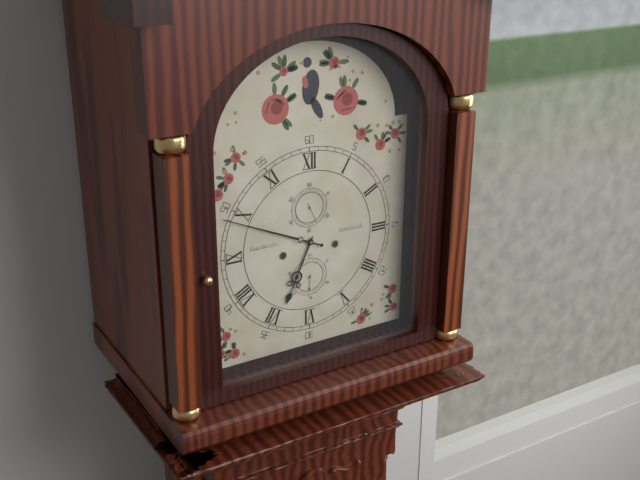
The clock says {"hour": 6, "minute": 49}
